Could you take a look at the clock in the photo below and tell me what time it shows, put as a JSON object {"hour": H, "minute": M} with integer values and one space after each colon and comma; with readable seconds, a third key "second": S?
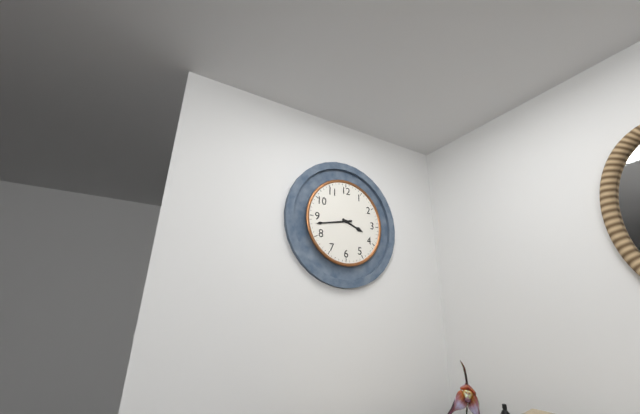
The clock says {"hour": 3, "minute": 43}
